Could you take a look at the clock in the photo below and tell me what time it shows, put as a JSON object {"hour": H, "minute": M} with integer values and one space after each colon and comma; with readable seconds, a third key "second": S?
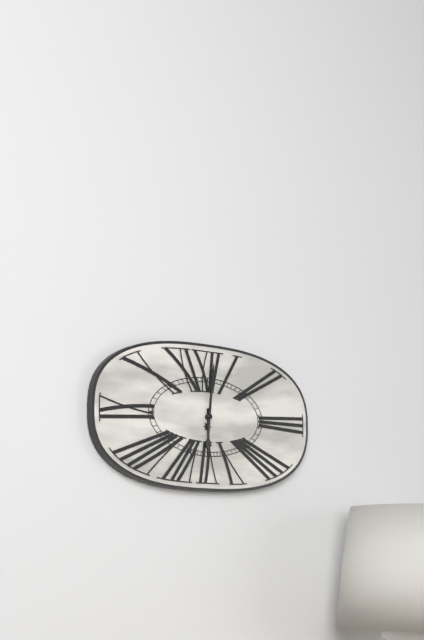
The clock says {"hour": 6, "minute": 1}
